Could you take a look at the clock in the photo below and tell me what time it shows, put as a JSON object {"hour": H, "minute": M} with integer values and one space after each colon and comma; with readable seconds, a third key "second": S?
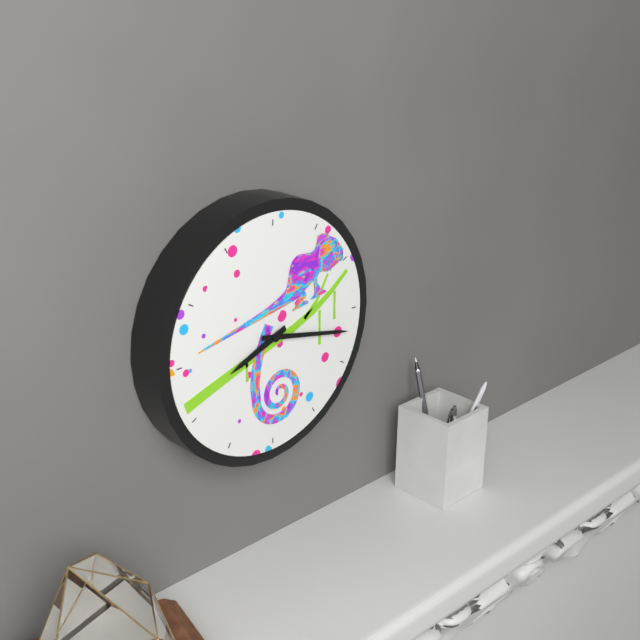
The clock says {"hour": 8, "minute": 17}
